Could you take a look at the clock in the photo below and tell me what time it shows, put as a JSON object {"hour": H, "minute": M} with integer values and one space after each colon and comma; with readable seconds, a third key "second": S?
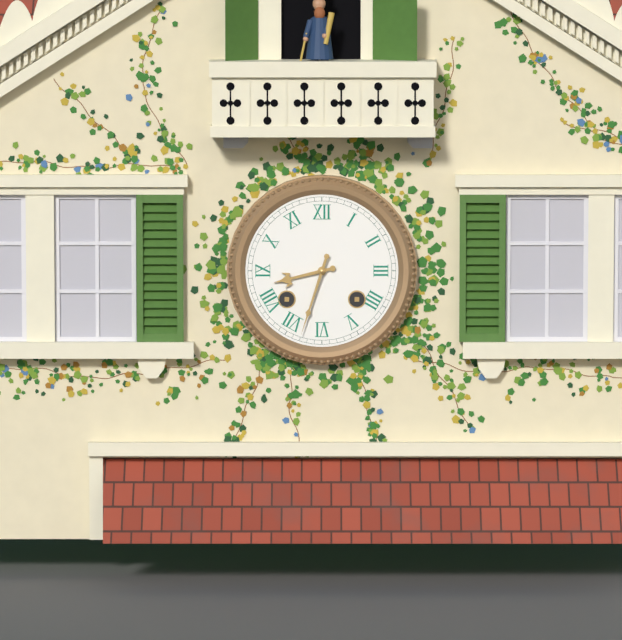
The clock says {"hour": 8, "minute": 33}
